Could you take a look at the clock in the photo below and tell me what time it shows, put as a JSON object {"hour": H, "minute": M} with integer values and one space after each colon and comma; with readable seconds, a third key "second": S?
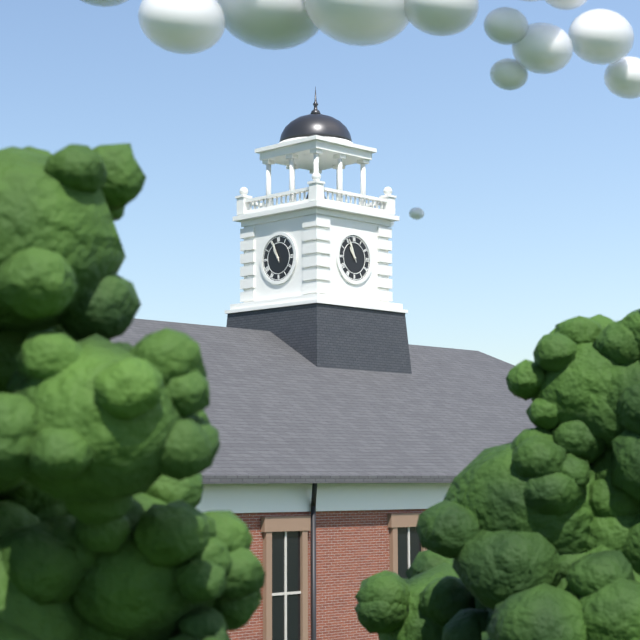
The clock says {"hour": 10, "minute": 56}
